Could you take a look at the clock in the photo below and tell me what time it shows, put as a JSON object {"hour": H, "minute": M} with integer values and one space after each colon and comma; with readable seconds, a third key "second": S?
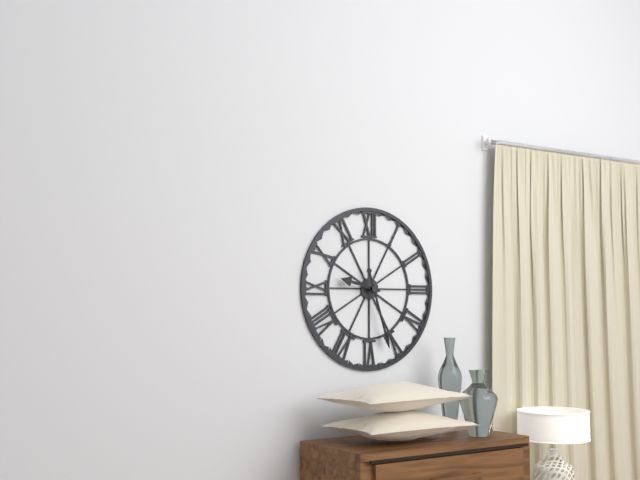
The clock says {"hour": 9, "minute": 27}
